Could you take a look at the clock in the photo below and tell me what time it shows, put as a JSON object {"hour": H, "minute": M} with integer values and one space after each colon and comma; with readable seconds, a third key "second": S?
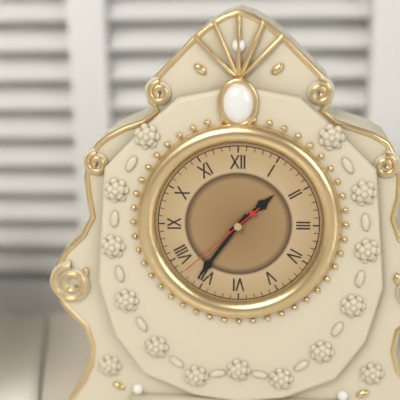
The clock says {"hour": 1, "minute": 36, "second": 38}
